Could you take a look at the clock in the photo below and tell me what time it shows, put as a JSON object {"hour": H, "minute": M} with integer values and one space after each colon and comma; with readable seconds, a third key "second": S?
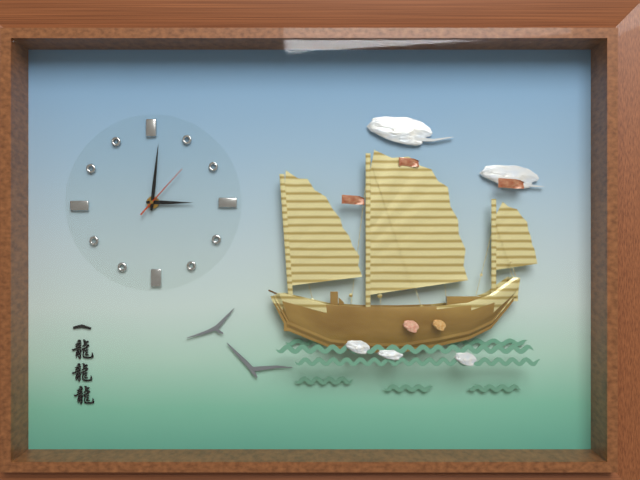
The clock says {"hour": 3, "minute": 1, "second": 7}
